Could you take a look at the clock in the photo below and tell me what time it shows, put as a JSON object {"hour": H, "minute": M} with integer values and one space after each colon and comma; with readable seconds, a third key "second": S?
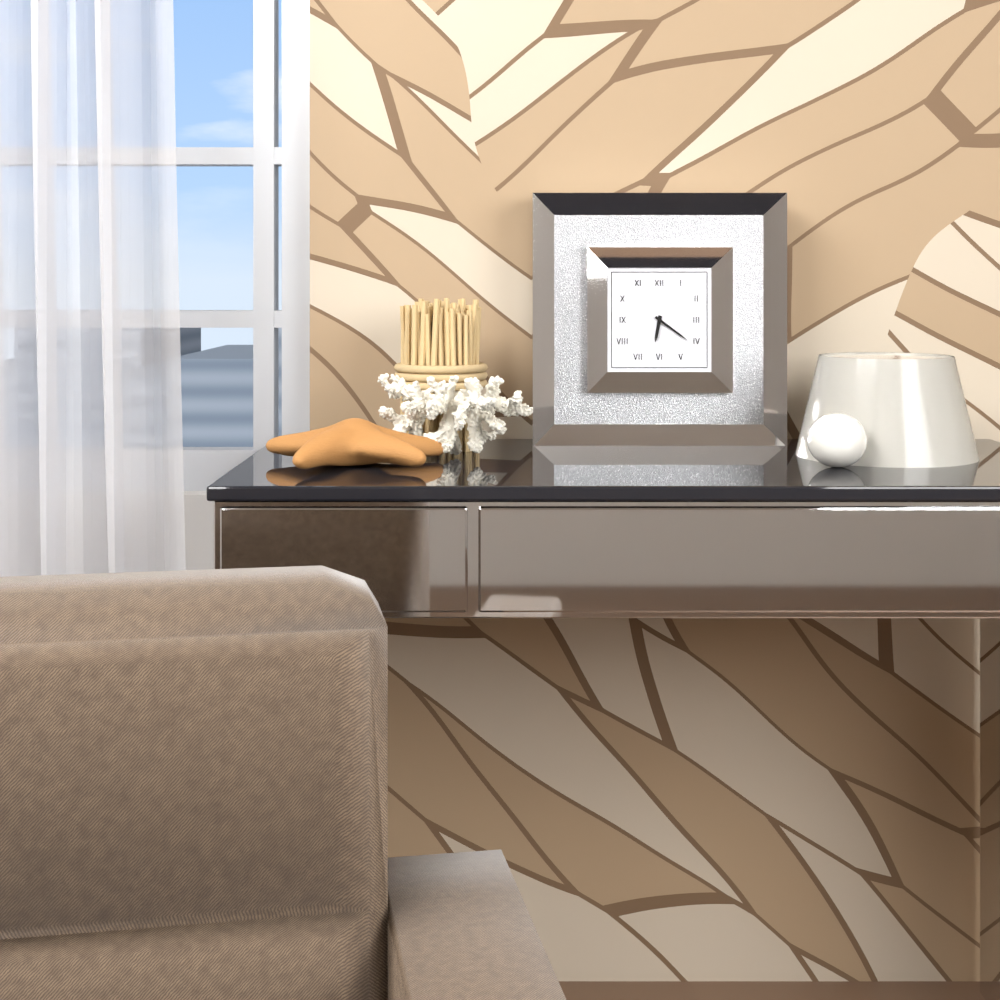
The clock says {"hour": 6, "minute": 21}
